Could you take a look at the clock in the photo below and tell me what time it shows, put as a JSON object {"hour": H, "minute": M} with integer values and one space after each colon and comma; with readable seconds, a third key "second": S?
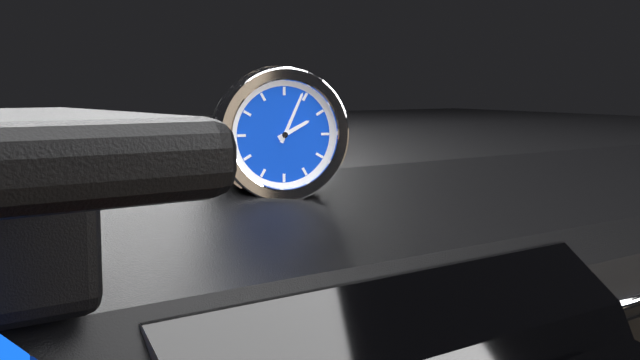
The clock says {"hour": 2, "minute": 4}
